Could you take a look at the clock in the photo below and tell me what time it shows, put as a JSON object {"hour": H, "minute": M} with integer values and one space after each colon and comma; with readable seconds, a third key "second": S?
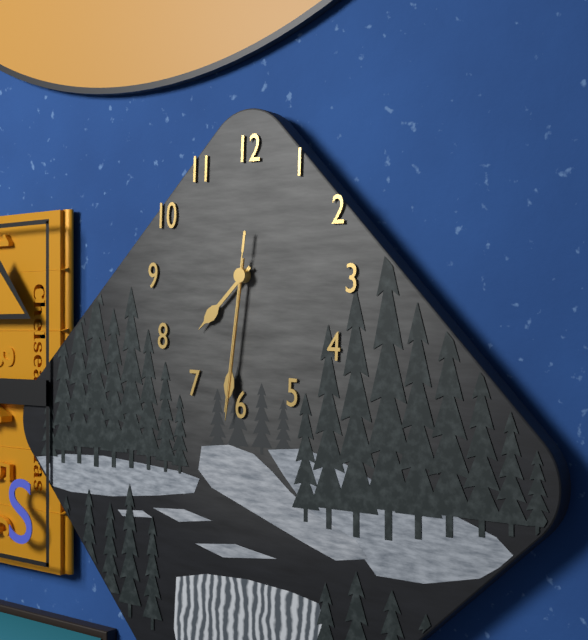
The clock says {"hour": 7, "minute": 31, "second": 31}
